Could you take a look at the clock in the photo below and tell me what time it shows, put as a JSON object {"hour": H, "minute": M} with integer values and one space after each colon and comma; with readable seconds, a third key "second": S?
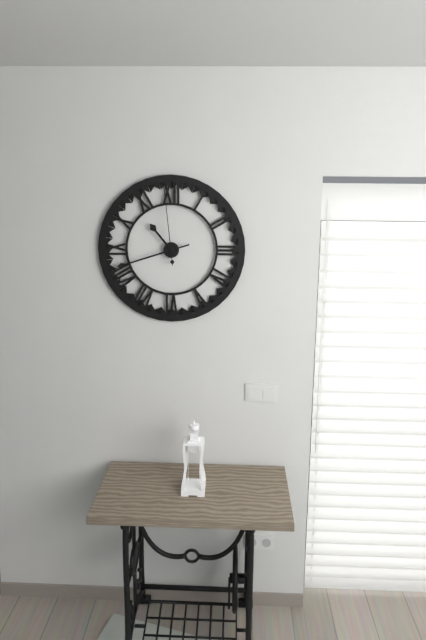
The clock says {"hour": 10, "minute": 42, "second": 59}
